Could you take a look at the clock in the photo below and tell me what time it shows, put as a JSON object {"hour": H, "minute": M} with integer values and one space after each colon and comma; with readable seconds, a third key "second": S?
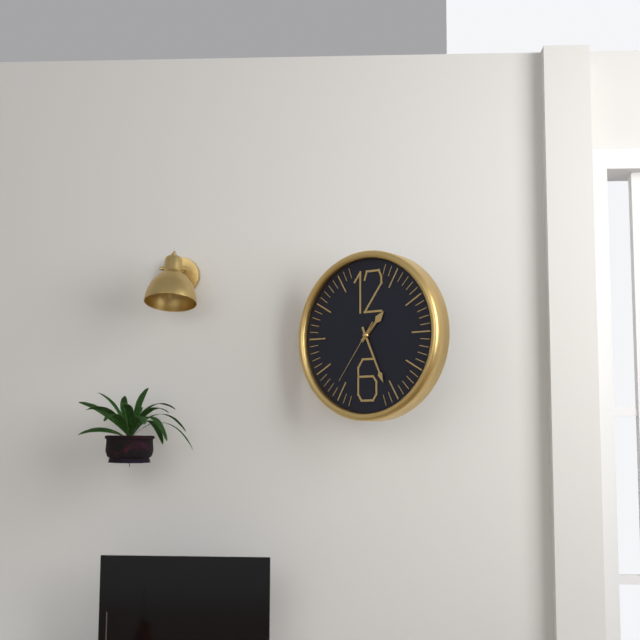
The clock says {"hour": 1, "minute": 26, "second": 36}
